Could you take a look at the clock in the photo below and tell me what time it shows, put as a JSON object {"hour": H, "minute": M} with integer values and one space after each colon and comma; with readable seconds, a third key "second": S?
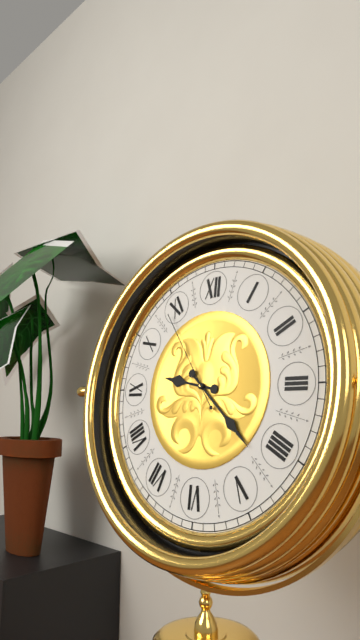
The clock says {"hour": 9, "minute": 22, "second": 54}
